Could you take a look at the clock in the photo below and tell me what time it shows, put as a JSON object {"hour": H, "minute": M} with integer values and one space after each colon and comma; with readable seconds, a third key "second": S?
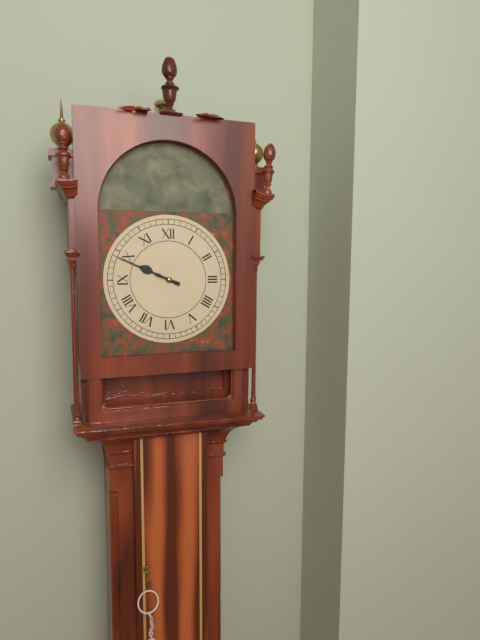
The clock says {"hour": 9, "minute": 49}
